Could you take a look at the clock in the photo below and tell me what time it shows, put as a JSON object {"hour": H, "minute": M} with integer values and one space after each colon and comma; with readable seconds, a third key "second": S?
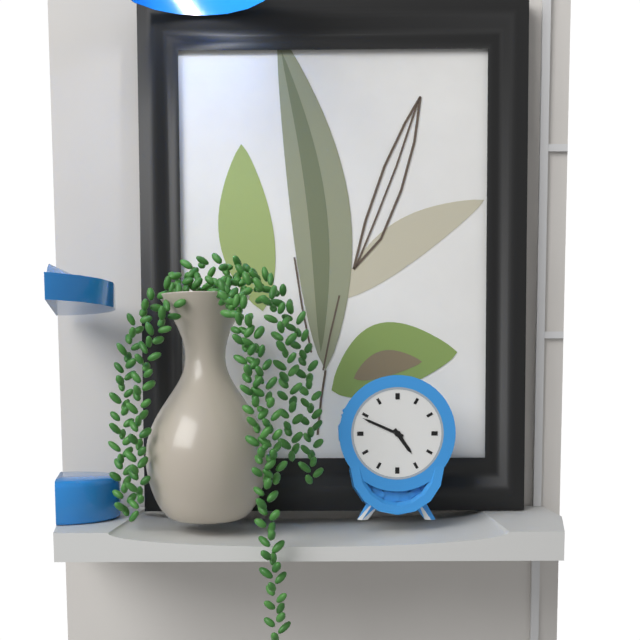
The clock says {"hour": 4, "minute": 49}
